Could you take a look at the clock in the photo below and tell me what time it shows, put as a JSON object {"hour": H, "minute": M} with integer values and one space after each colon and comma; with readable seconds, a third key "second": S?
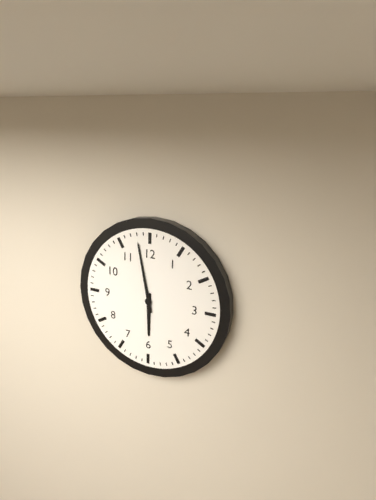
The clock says {"hour": 5, "minute": 58}
